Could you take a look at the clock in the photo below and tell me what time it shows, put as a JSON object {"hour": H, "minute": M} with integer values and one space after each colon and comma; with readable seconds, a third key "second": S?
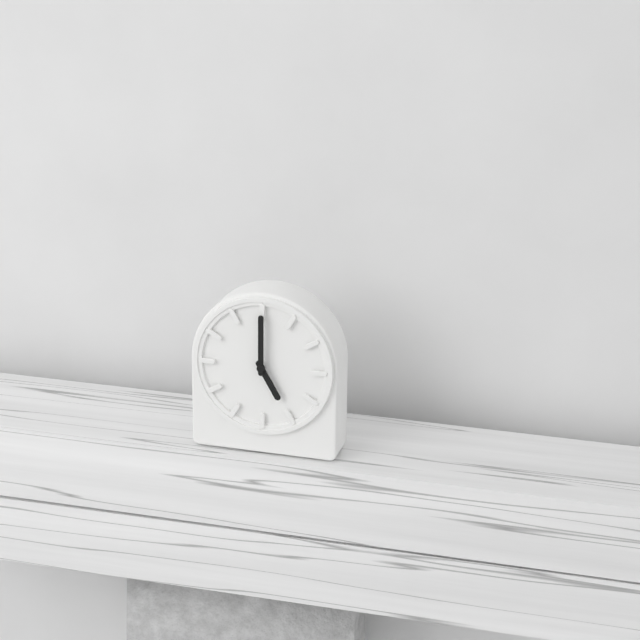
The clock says {"hour": 5, "minute": 0}
